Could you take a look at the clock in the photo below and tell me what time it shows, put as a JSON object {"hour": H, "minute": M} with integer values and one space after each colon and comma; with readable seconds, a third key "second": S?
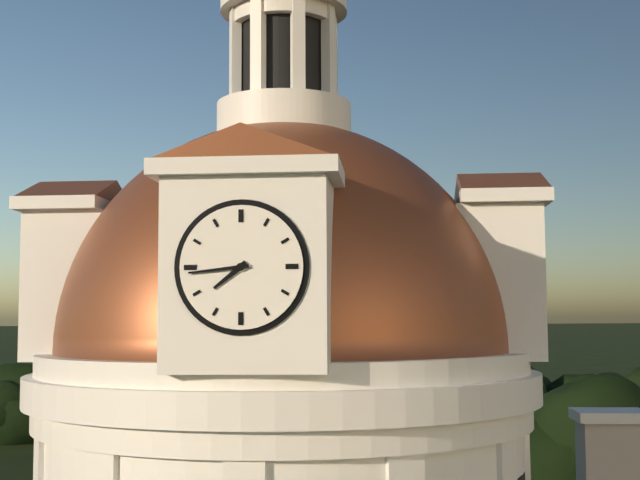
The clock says {"hour": 7, "minute": 44}
